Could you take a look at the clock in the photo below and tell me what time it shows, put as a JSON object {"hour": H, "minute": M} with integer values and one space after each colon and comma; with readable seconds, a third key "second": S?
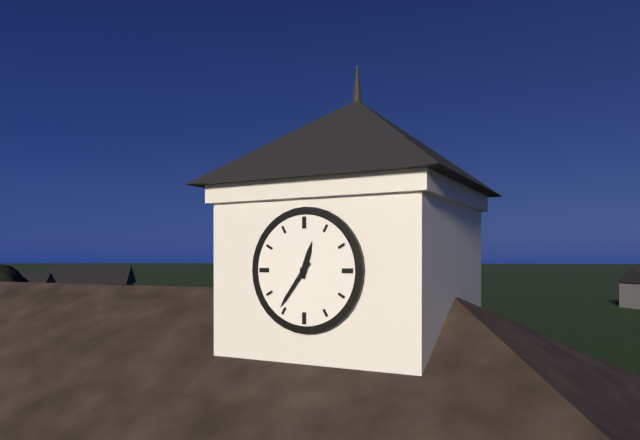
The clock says {"hour": 12, "minute": 36}
